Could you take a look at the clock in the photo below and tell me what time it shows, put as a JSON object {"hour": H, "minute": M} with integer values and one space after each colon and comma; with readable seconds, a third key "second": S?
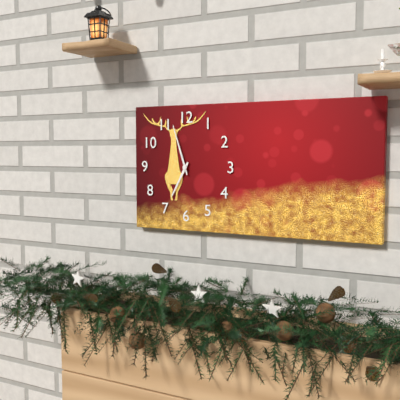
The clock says {"hour": 6, "minute": 57}
